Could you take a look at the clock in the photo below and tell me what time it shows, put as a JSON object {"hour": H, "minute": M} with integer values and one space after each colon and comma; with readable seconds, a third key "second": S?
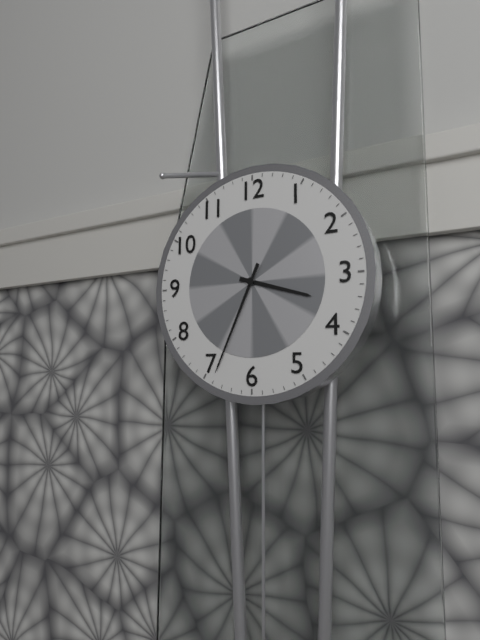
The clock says {"hour": 3, "minute": 34}
